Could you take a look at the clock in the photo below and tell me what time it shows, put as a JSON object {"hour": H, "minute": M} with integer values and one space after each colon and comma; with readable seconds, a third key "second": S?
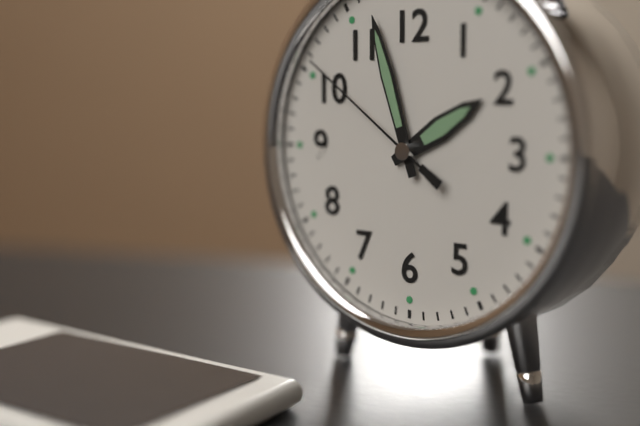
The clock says {"hour": 1, "minute": 57, "second": 51}
